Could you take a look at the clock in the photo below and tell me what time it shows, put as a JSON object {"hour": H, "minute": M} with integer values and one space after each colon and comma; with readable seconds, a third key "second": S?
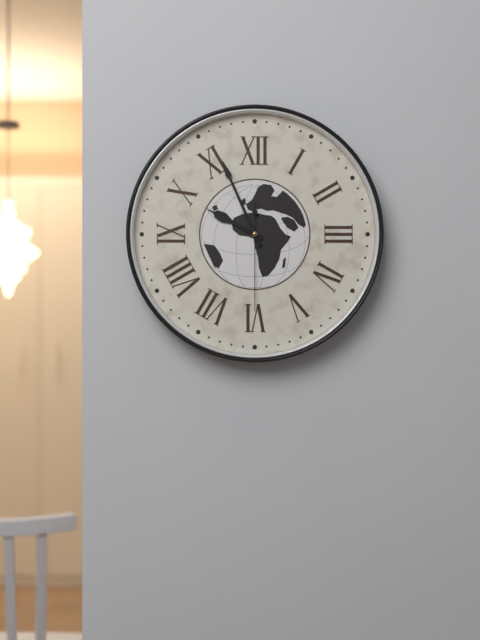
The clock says {"hour": 9, "minute": 56, "second": 30}
